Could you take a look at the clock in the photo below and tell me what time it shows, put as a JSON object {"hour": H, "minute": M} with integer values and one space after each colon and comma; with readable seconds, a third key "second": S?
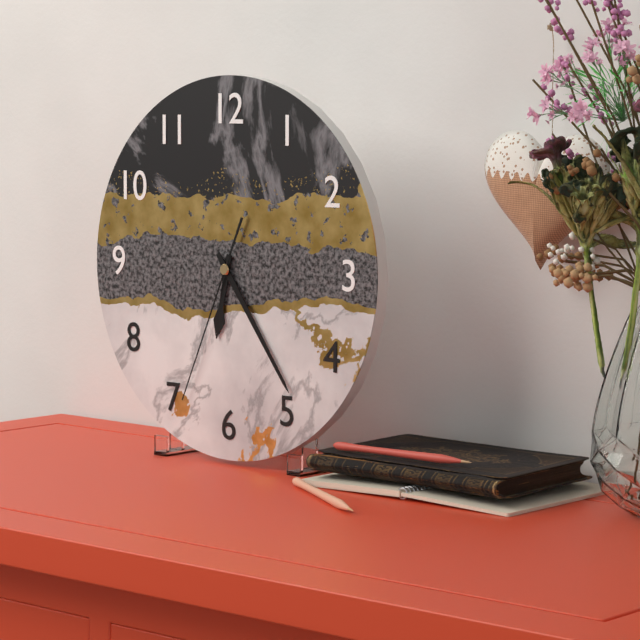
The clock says {"hour": 6, "minute": 24, "second": 34}
